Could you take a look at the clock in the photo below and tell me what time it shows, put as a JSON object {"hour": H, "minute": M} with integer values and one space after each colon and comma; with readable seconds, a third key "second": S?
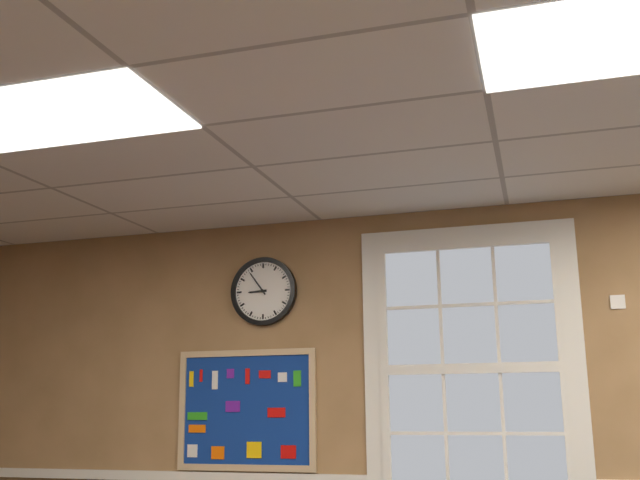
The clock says {"hour": 8, "minute": 54}
